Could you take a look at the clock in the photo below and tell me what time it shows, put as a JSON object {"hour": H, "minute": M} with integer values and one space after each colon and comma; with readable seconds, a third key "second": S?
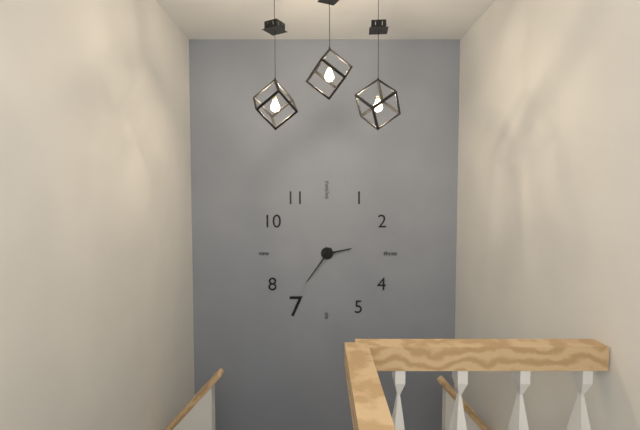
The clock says {"hour": 2, "minute": 36}
